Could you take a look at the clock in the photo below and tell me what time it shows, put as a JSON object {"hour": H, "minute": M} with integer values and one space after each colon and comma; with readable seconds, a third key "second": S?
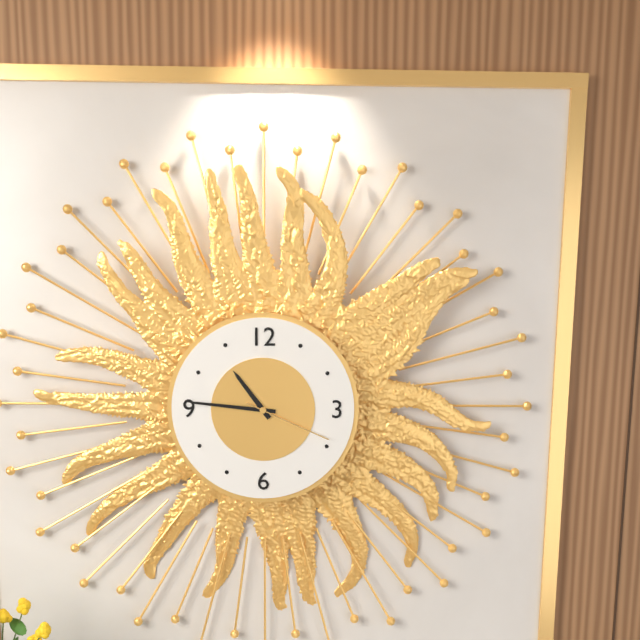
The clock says {"hour": 10, "minute": 46, "second": 19}
